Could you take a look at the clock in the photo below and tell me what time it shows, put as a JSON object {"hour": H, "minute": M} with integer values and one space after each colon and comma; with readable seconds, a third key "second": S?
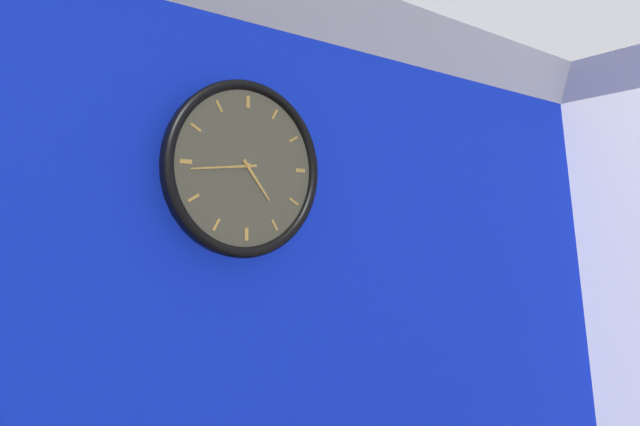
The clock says {"hour": 4, "minute": 44}
